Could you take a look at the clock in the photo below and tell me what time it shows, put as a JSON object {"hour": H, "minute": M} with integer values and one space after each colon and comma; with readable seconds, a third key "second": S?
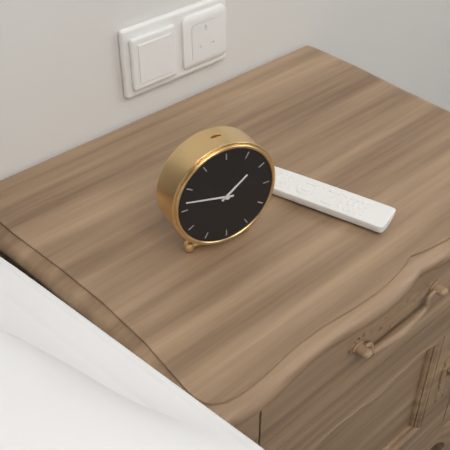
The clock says {"hour": 1, "minute": 47}
